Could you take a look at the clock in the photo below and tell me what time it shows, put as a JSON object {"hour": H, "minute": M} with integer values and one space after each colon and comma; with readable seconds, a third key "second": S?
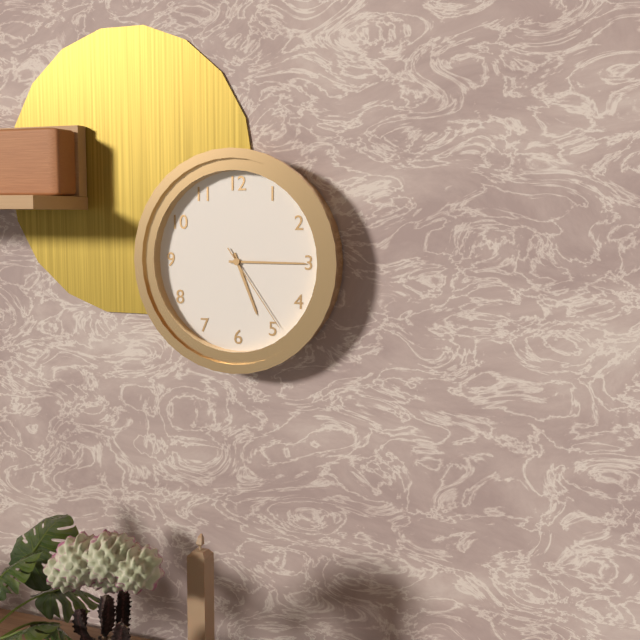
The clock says {"hour": 5, "minute": 15, "second": 24}
